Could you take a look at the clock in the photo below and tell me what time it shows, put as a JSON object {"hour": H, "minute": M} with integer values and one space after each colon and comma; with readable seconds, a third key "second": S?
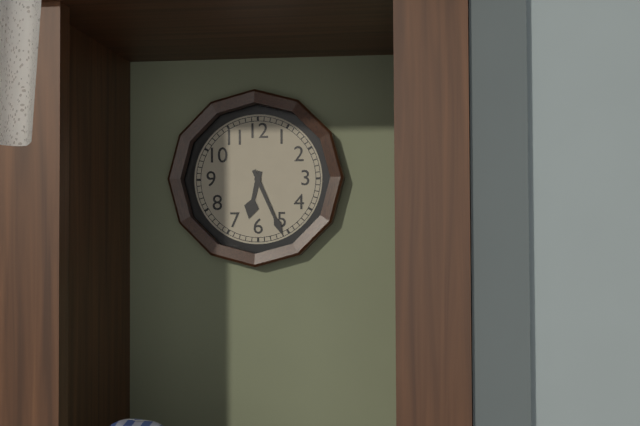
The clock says {"hour": 6, "minute": 26}
